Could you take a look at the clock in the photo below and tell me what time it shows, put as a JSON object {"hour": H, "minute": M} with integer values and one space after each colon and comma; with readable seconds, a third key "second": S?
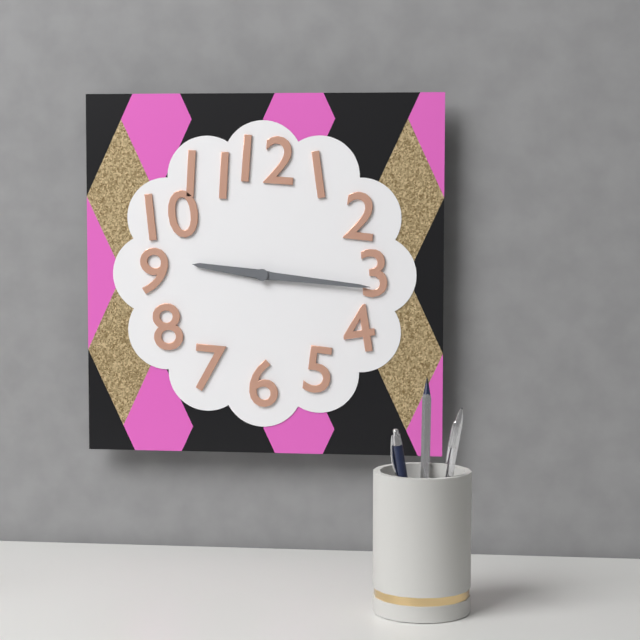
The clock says {"hour": 9, "minute": 16}
